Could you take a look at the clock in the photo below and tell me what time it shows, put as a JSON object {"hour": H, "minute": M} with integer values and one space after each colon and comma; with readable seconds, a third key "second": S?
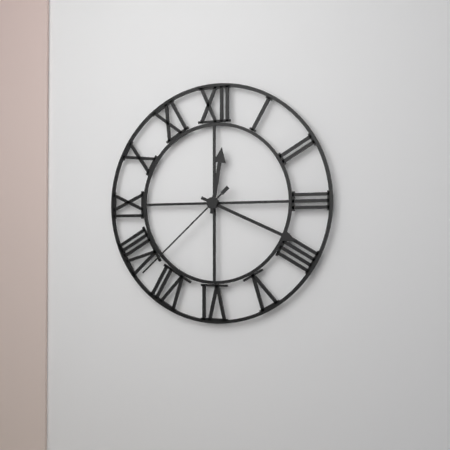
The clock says {"hour": 12, "minute": 19, "second": 38}
